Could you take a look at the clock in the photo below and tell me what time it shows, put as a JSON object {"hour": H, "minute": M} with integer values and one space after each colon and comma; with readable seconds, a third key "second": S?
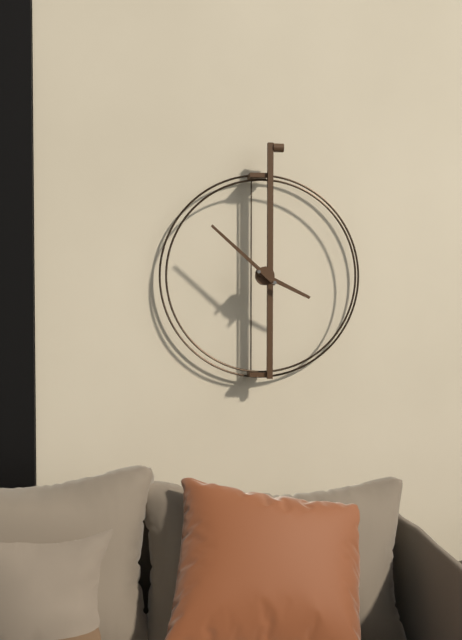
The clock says {"hour": 3, "minute": 52}
